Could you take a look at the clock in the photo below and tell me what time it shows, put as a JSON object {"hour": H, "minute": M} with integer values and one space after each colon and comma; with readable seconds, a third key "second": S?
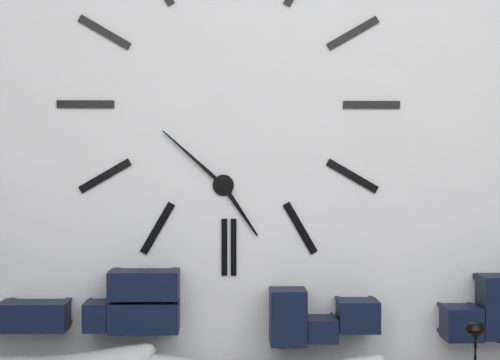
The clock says {"hour": 4, "minute": 52}
